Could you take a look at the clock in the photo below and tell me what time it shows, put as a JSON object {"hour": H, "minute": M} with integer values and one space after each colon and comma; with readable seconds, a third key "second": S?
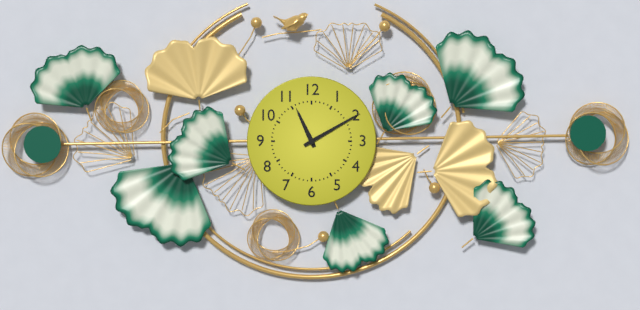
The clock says {"hour": 11, "minute": 10}
